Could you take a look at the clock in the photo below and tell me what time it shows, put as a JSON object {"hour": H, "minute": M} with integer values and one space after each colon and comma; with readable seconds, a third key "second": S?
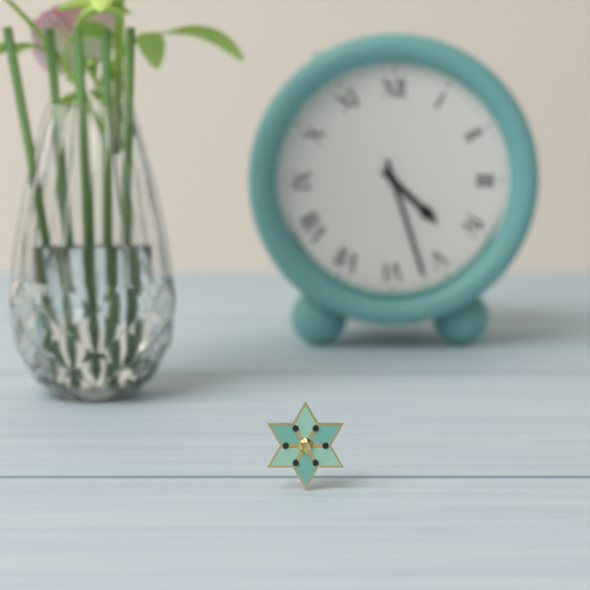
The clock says {"hour": 4, "minute": 27}
